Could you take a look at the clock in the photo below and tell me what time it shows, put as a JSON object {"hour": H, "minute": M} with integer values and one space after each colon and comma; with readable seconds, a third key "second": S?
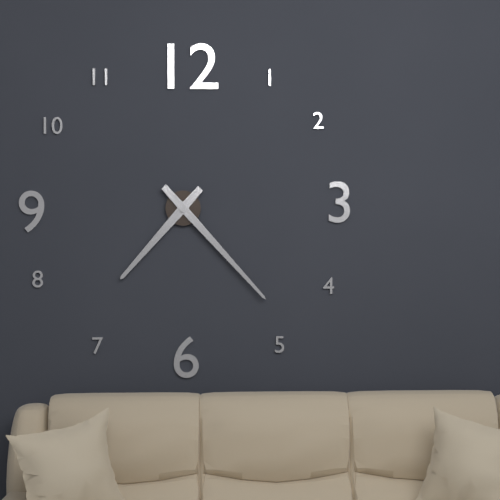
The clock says {"hour": 7, "minute": 23}
